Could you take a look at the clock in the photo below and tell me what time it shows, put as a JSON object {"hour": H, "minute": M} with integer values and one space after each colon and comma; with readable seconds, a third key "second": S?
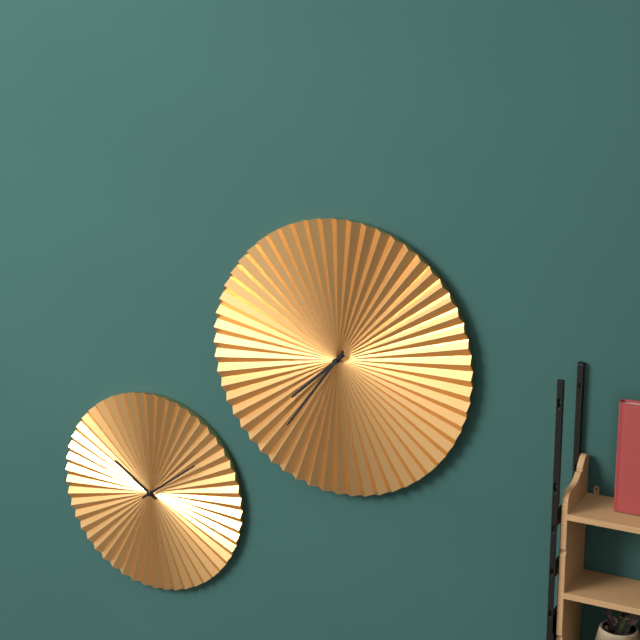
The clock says {"hour": 7, "minute": 36}
